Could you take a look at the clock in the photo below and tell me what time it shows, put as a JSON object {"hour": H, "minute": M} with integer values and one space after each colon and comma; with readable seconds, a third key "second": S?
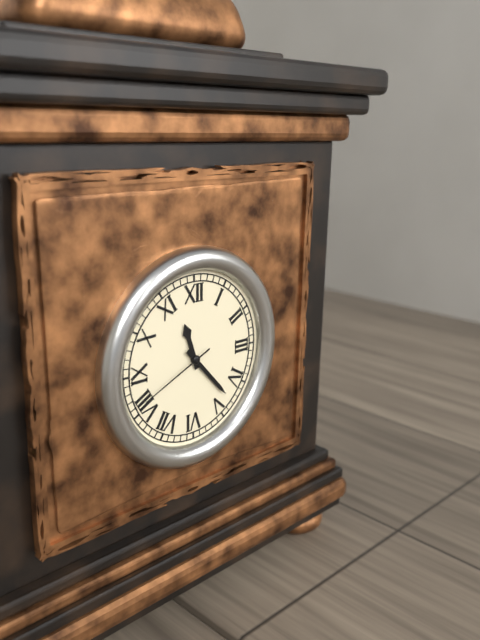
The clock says {"hour": 11, "minute": 23, "second": 41}
